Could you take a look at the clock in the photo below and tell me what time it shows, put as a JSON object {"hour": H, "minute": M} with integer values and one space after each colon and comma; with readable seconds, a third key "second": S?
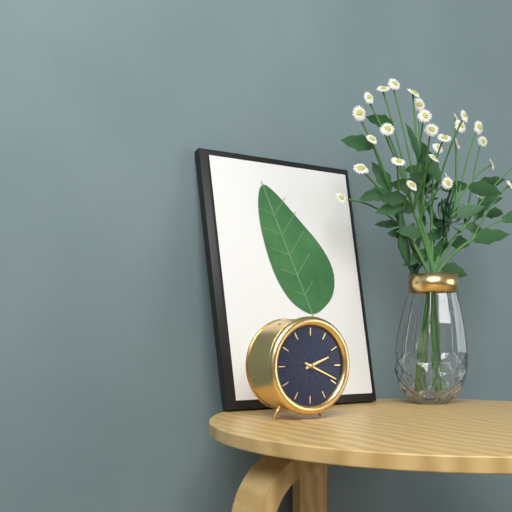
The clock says {"hour": 2, "minute": 19}
